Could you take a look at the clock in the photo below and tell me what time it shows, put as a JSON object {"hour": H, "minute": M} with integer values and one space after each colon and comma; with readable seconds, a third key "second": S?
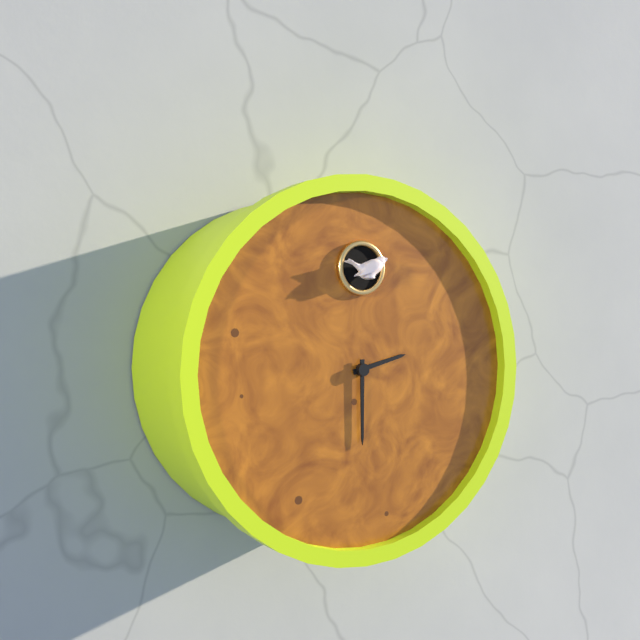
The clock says {"hour": 2, "minute": 30}
